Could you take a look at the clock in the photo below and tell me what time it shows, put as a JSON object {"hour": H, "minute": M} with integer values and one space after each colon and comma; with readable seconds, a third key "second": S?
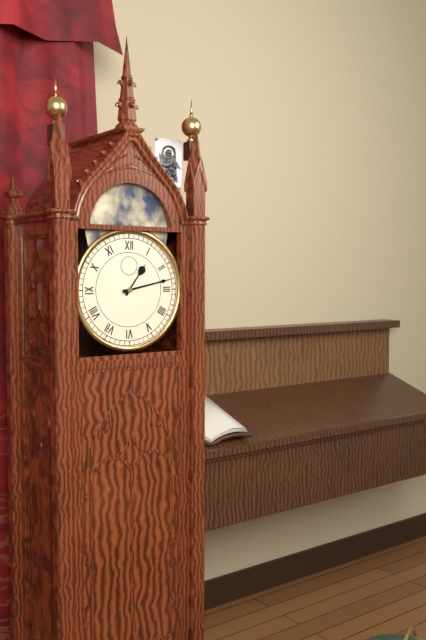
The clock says {"hour": 1, "minute": 13}
